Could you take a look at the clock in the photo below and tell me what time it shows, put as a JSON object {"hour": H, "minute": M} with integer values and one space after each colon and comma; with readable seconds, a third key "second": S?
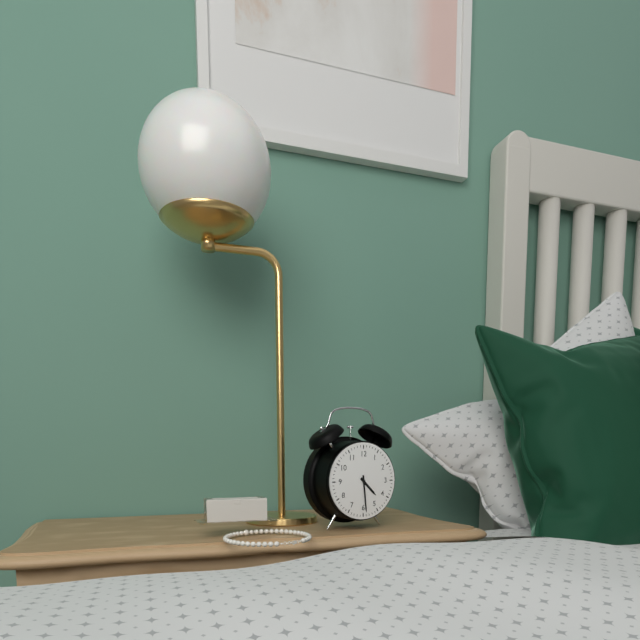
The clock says {"hour": 4, "minute": 29}
